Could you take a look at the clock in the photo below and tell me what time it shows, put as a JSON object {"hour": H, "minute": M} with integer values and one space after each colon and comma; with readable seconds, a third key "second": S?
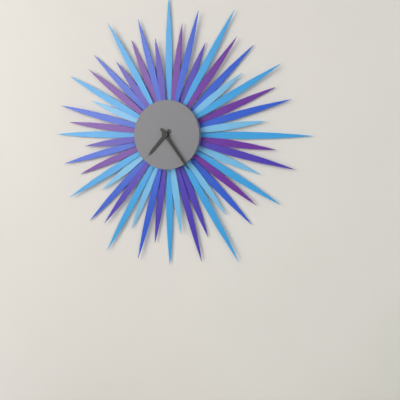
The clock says {"hour": 7, "minute": 24}
